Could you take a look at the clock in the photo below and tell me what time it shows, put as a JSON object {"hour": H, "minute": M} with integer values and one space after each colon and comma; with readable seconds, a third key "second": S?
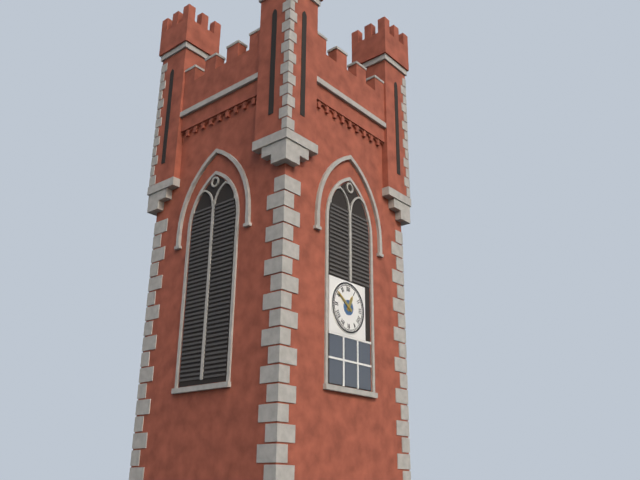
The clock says {"hour": 12, "minute": 51}
